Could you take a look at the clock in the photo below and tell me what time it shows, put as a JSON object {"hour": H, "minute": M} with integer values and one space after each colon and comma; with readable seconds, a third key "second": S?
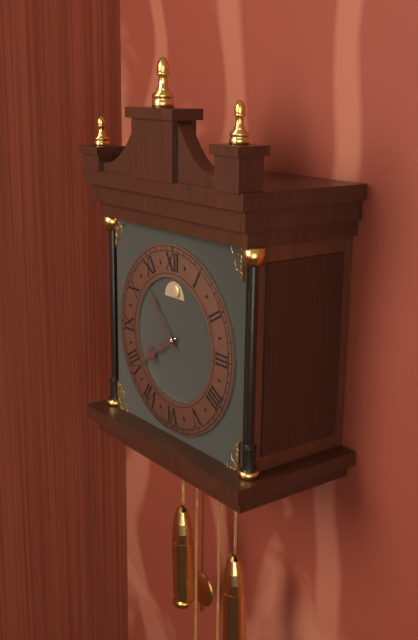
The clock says {"hour": 7, "minute": 53}
